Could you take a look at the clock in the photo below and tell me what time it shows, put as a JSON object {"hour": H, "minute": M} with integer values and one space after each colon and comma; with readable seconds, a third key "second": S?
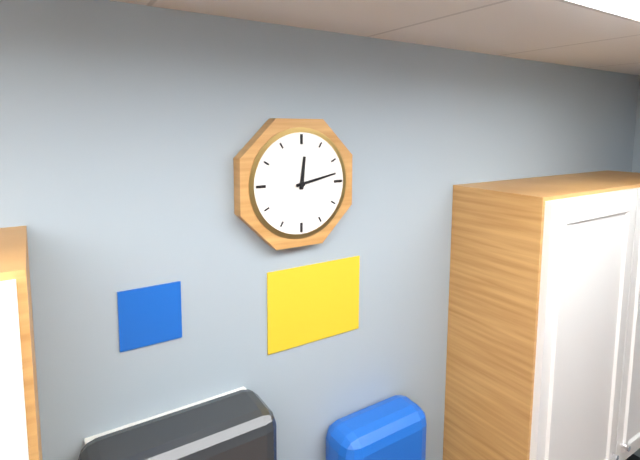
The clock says {"hour": 12, "minute": 13}
